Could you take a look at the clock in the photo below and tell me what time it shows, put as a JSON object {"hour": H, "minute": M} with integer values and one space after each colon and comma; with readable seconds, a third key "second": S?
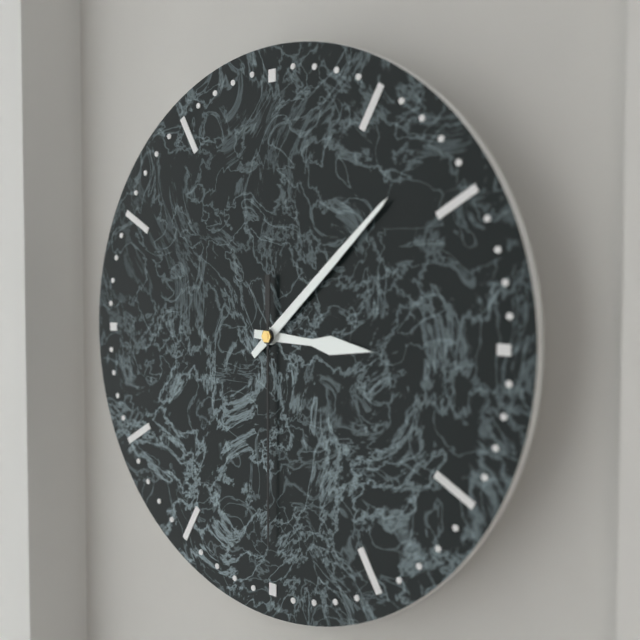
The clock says {"hour": 3, "minute": 8, "second": 30}
